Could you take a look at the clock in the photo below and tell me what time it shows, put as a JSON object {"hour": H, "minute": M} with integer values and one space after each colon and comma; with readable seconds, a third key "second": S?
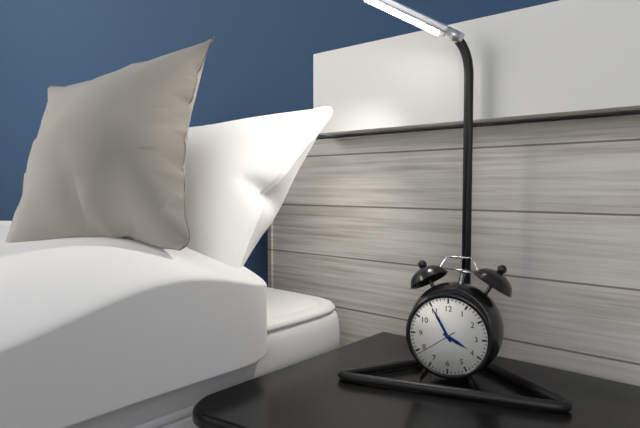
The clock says {"hour": 3, "minute": 55}
